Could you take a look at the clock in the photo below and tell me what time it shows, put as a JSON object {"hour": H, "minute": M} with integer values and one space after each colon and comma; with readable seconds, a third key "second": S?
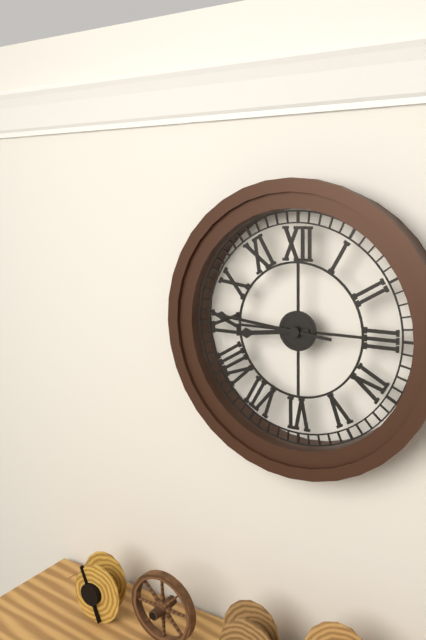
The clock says {"hour": 8, "minute": 46}
